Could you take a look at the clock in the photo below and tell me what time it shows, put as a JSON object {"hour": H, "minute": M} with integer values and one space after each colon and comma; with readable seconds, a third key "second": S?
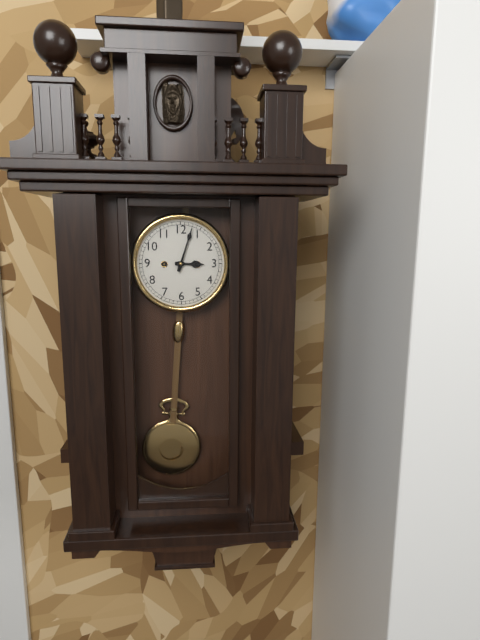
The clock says {"hour": 3, "minute": 3}
